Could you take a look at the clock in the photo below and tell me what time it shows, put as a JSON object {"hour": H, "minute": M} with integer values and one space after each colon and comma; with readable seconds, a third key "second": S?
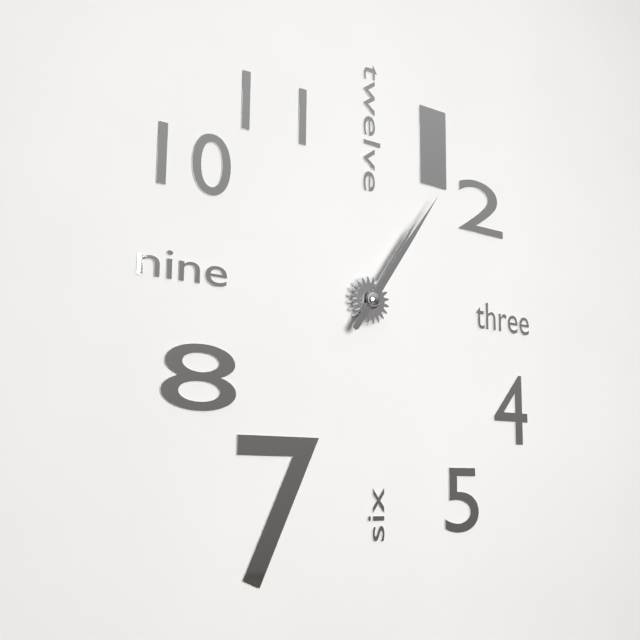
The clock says {"hour": 1, "minute": 6}
